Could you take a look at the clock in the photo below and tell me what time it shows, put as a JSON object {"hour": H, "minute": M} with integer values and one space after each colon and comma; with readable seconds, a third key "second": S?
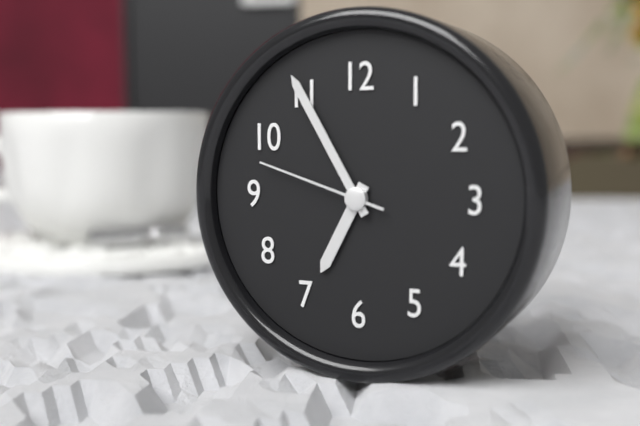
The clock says {"hour": 6, "minute": 55, "second": 48}
